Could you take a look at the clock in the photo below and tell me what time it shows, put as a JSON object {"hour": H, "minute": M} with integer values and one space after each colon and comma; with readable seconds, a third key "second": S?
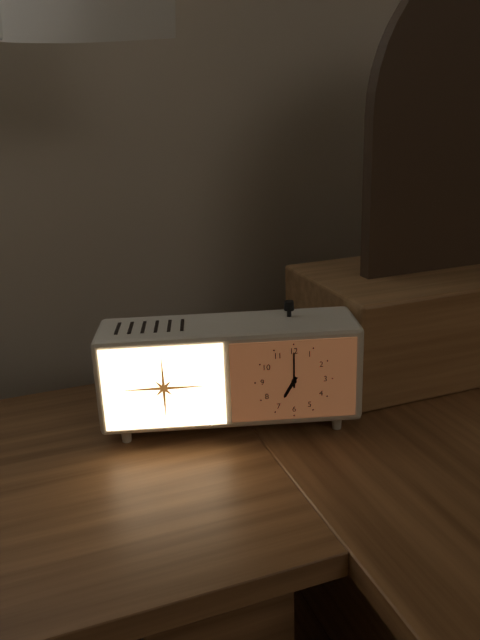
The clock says {"hour": 7, "minute": 0}
